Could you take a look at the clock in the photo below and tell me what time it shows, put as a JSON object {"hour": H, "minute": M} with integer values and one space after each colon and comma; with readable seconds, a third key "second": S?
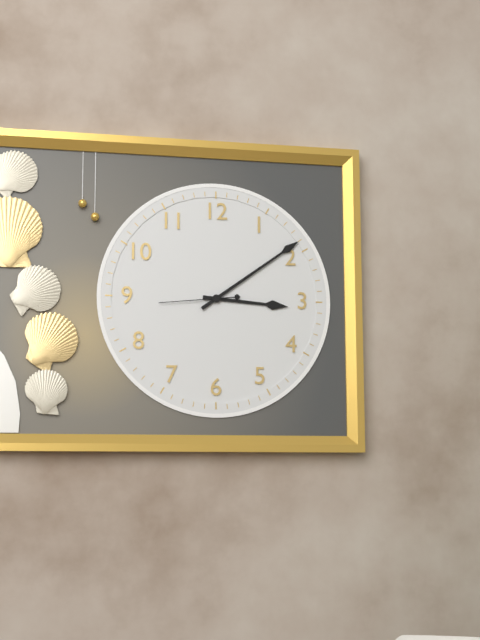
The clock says {"hour": 3, "minute": 9, "second": 44}
